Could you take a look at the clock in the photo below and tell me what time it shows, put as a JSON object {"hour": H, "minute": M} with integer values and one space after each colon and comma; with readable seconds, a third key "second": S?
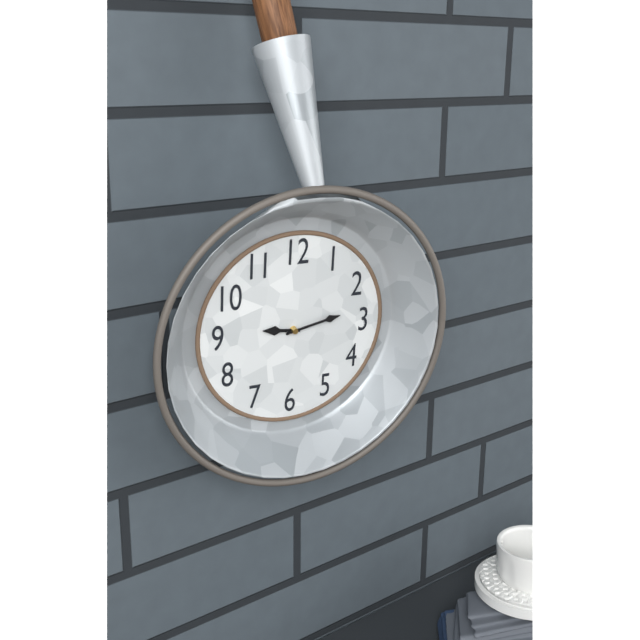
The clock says {"hour": 9, "minute": 13}
